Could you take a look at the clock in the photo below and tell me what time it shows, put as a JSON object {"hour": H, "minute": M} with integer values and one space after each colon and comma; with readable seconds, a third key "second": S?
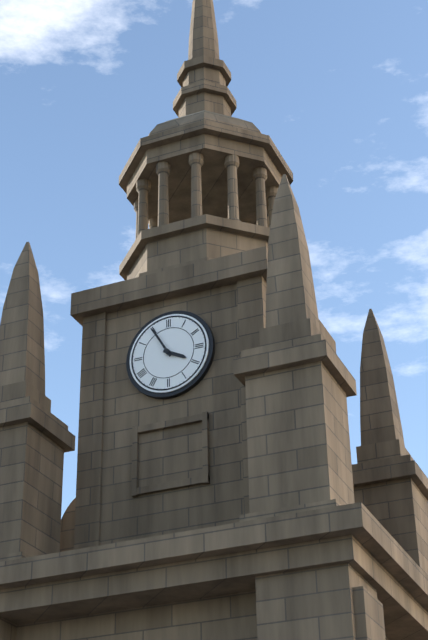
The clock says {"hour": 3, "minute": 55}
